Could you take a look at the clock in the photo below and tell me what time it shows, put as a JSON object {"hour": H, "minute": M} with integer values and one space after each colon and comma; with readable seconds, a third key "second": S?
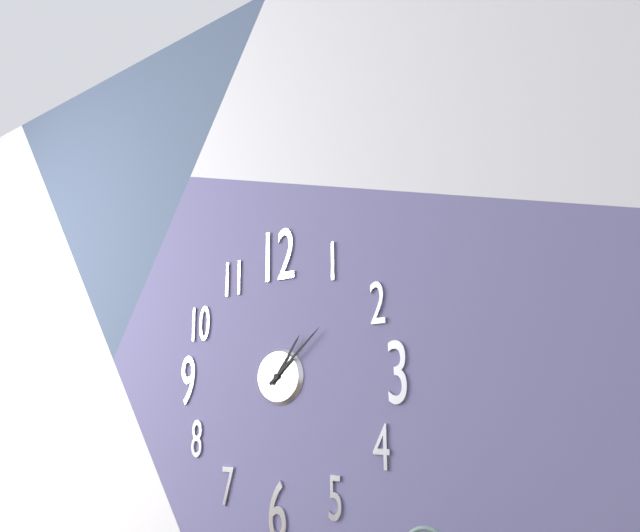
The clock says {"hour": 1, "minute": 8}
